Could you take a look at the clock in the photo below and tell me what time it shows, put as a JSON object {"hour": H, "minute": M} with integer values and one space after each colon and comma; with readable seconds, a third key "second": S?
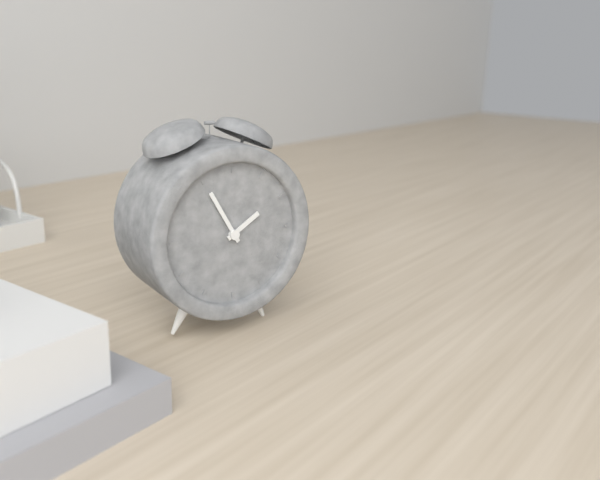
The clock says {"hour": 1, "minute": 55}
